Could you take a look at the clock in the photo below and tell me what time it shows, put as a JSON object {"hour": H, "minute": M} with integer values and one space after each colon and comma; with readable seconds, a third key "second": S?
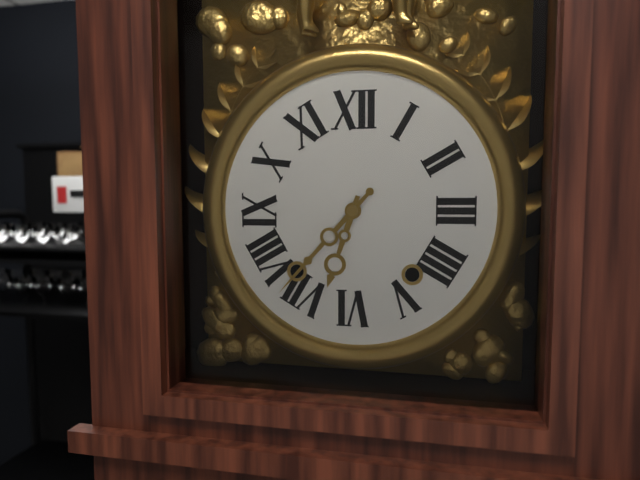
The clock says {"hour": 6, "minute": 37}
